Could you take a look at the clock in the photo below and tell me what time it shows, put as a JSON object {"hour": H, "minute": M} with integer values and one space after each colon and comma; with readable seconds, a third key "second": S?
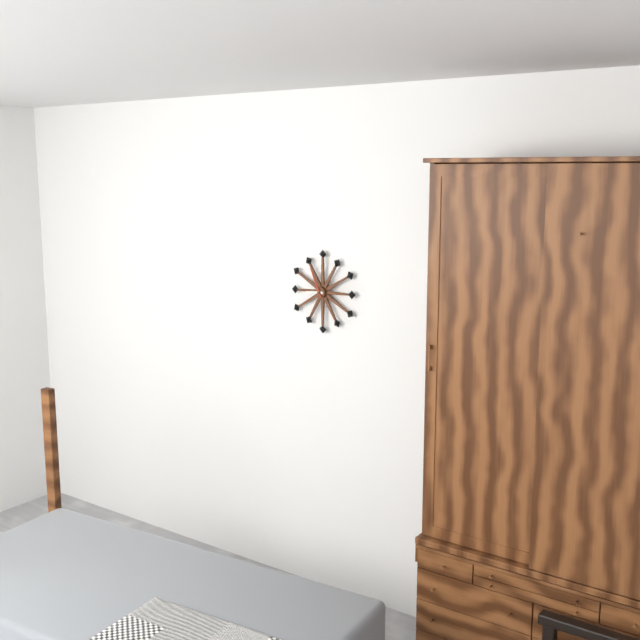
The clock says {"hour": 8, "minute": 56}
